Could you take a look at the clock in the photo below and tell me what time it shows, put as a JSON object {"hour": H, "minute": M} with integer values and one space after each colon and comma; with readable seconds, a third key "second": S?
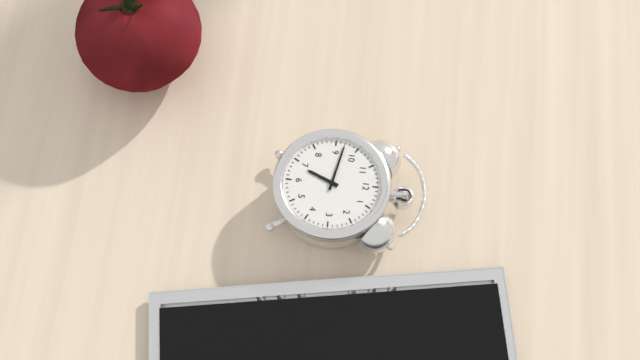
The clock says {"hour": 6, "minute": 47}
